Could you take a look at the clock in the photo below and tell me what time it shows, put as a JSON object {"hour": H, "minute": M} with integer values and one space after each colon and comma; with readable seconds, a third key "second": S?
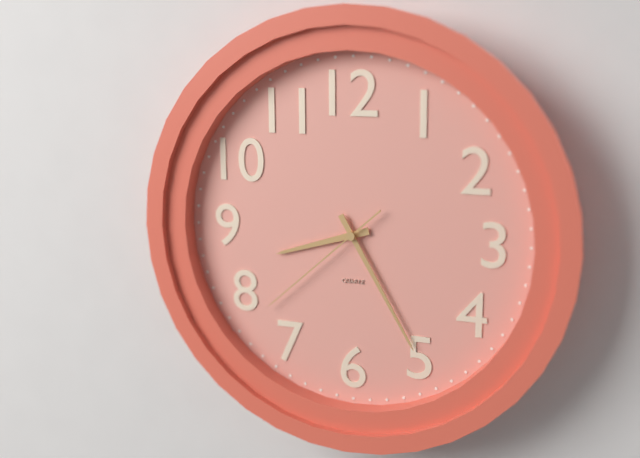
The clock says {"hour": 8, "minute": 25, "second": 38}
